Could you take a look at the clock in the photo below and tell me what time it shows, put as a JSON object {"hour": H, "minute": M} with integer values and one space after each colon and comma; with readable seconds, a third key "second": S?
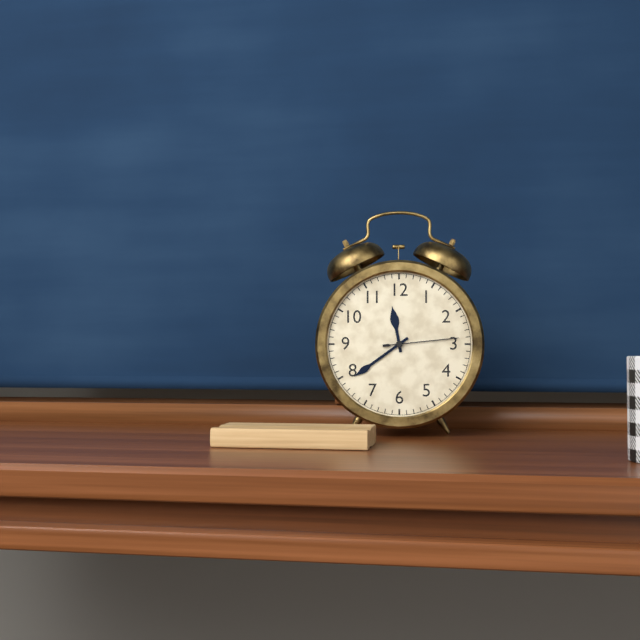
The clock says {"hour": 11, "minute": 39, "second": 14}
